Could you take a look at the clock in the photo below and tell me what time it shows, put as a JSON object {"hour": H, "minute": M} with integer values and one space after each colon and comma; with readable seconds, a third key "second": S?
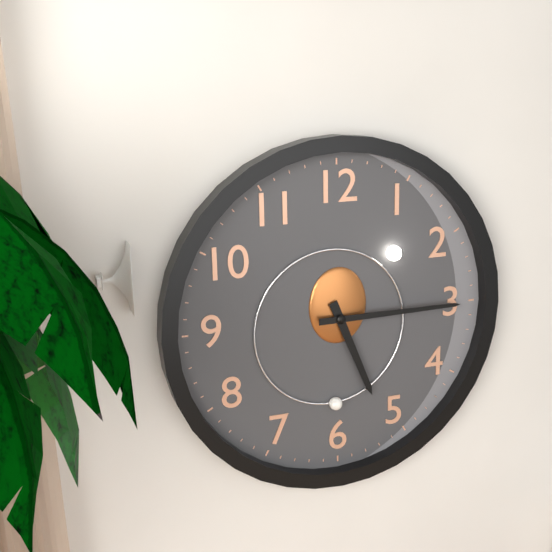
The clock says {"hour": 5, "minute": 15}
